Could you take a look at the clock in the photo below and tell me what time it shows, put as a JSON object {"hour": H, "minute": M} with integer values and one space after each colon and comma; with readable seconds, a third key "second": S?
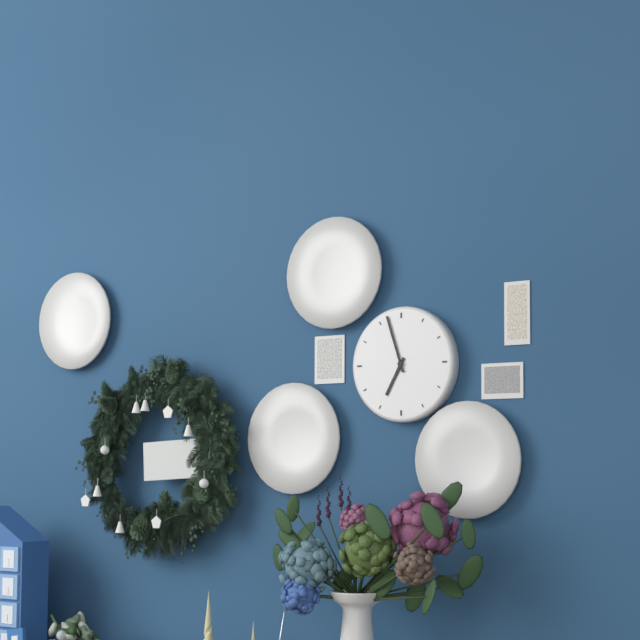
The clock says {"hour": 6, "minute": 57}
